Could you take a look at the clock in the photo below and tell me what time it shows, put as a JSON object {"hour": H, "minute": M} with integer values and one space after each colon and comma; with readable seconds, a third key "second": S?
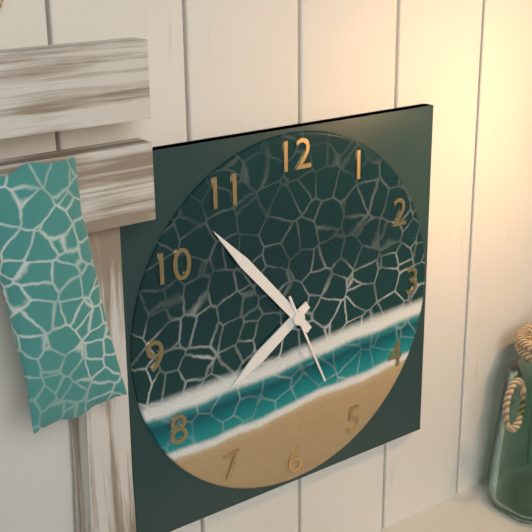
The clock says {"hour": 7, "minute": 53, "second": 26}
